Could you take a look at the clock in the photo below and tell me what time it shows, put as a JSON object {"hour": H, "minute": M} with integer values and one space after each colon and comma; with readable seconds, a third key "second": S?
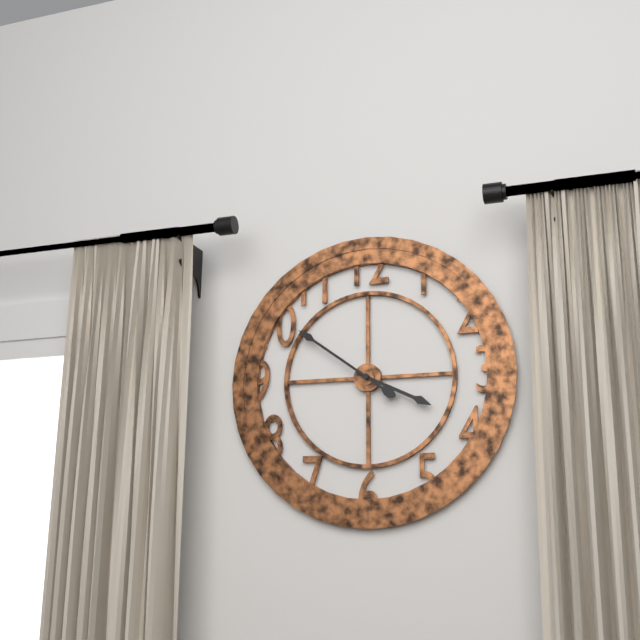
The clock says {"hour": 3, "minute": 51}
